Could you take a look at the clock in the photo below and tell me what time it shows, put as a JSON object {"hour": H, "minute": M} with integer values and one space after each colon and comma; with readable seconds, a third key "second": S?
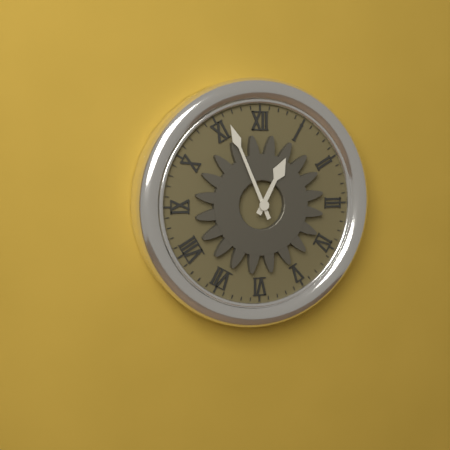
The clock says {"hour": 12, "minute": 56}
